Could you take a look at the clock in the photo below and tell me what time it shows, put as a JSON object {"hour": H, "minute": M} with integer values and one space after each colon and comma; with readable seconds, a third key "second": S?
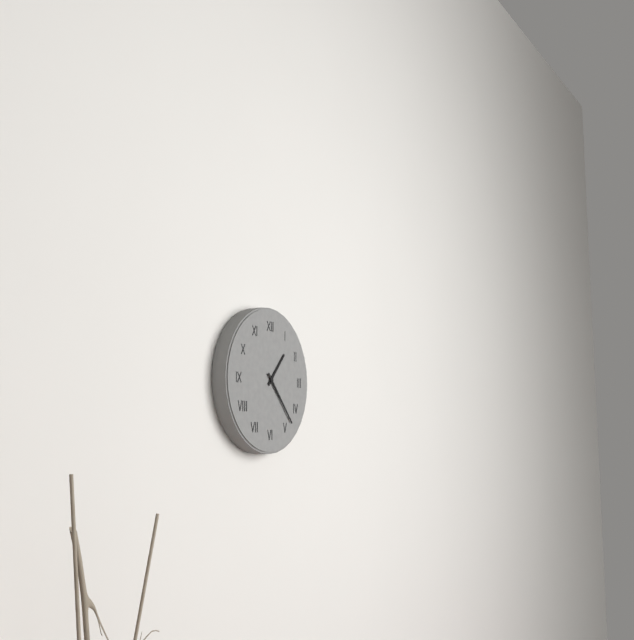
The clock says {"hour": 1, "minute": 23}
